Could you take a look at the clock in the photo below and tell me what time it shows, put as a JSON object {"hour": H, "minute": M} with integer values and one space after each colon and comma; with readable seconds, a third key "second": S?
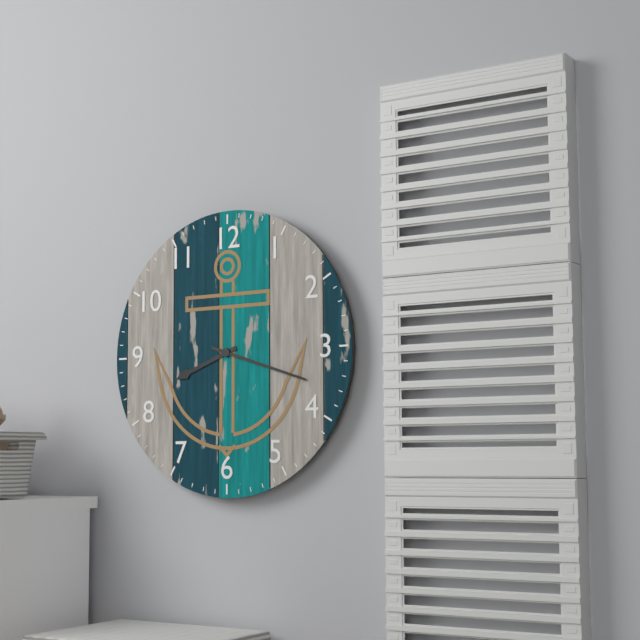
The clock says {"hour": 8, "minute": 18}
